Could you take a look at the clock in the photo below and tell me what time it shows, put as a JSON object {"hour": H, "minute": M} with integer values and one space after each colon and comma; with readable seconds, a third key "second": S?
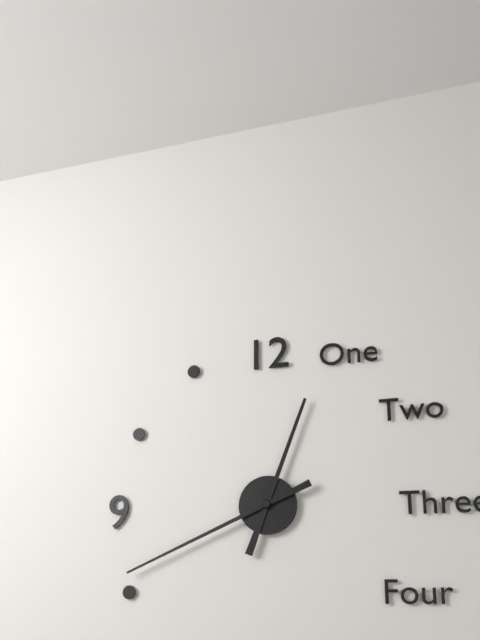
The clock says {"hour": 12, "minute": 41}
